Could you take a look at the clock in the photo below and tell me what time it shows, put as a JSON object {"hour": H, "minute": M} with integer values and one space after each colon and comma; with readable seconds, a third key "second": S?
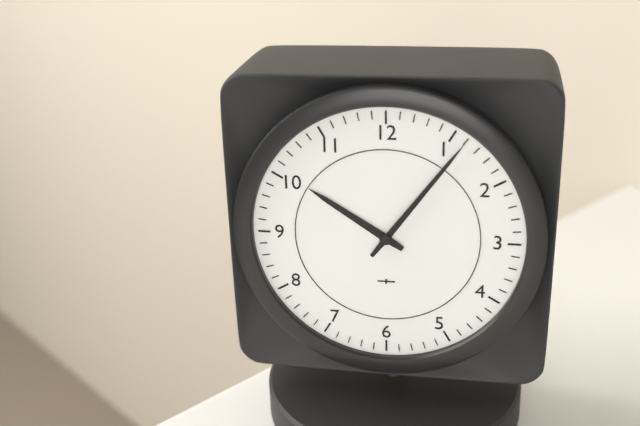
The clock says {"hour": 10, "minute": 6}
